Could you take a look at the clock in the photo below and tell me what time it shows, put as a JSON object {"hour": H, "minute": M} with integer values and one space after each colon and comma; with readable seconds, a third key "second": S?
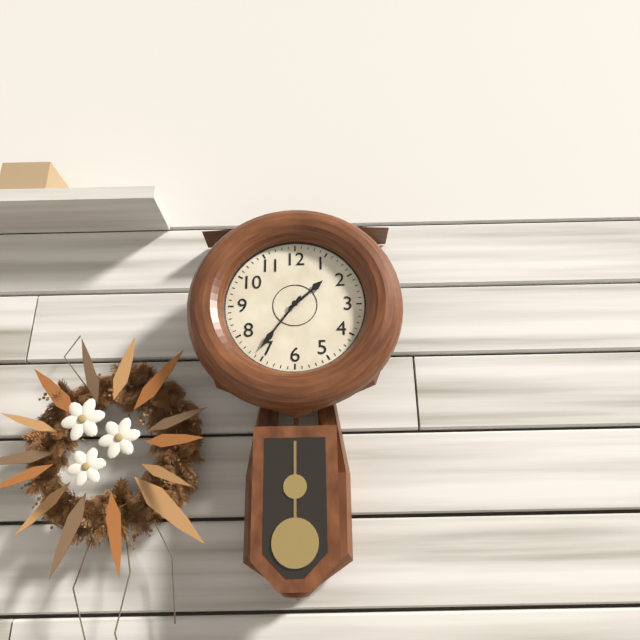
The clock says {"hour": 1, "minute": 36}
